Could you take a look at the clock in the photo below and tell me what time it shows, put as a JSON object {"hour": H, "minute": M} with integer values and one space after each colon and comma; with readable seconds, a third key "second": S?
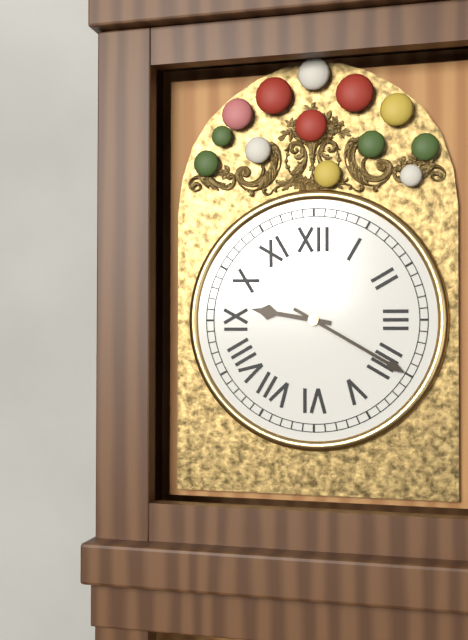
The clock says {"hour": 9, "minute": 20}
